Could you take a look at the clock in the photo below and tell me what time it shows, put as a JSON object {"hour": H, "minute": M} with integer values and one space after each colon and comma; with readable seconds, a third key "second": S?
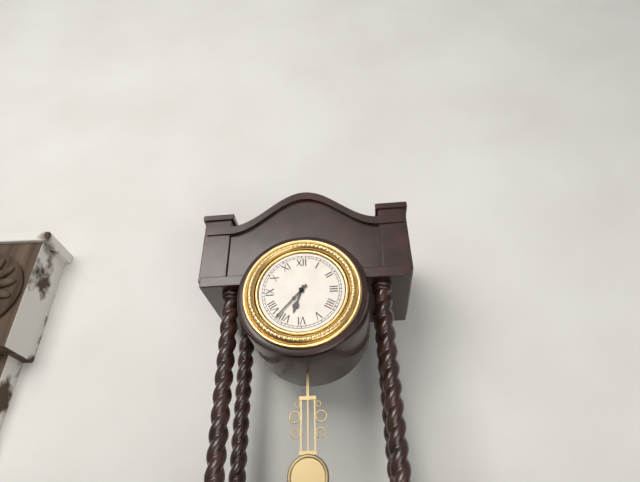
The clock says {"hour": 6, "minute": 37}
